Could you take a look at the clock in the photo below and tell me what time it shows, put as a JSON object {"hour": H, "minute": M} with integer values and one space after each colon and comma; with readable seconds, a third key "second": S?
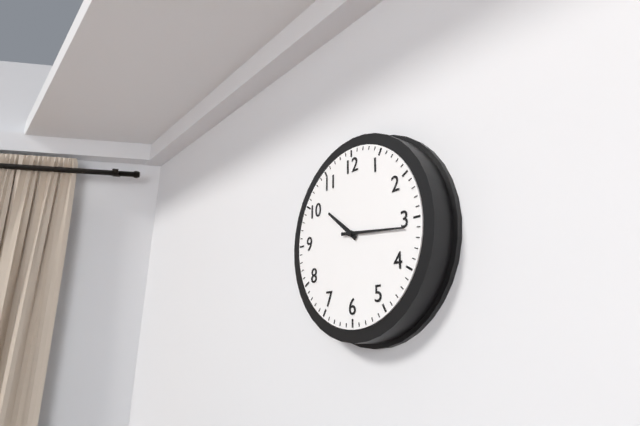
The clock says {"hour": 10, "minute": 16}
